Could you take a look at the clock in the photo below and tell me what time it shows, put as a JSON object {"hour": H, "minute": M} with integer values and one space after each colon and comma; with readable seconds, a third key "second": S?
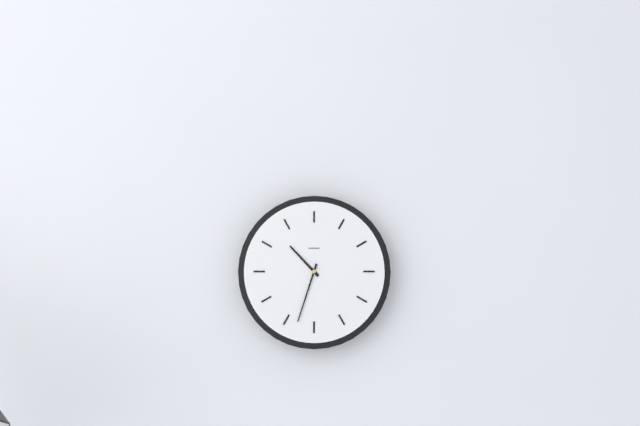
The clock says {"hour": 10, "minute": 33}
